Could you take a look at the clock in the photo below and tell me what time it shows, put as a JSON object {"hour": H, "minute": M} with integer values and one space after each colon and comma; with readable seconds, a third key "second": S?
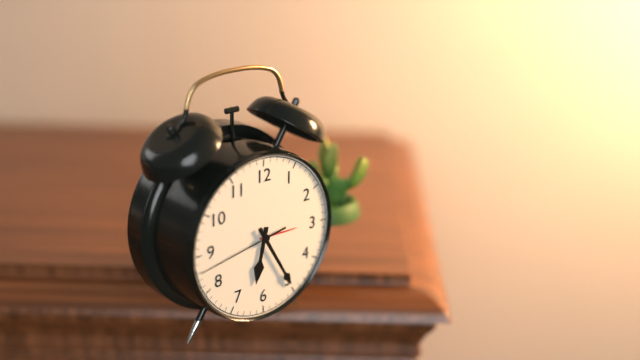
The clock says {"hour": 6, "minute": 25, "second": 43}
